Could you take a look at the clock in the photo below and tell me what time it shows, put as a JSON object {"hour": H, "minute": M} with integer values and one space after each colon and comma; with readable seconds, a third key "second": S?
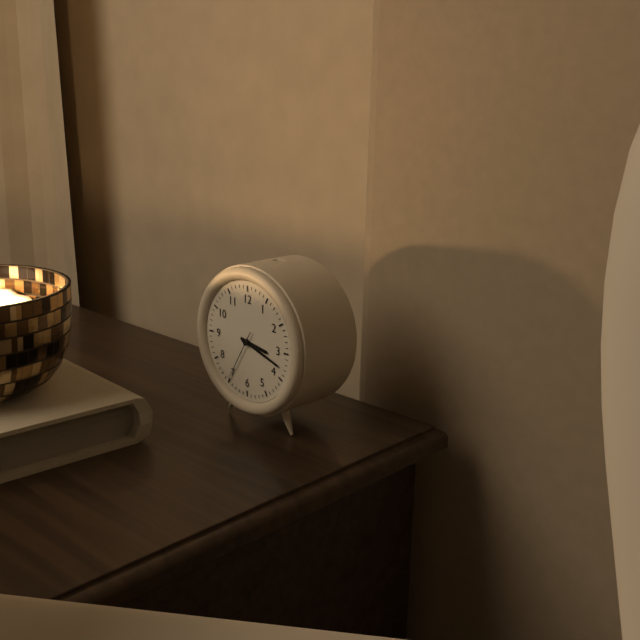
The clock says {"hour": 3, "minute": 18, "second": 35}
